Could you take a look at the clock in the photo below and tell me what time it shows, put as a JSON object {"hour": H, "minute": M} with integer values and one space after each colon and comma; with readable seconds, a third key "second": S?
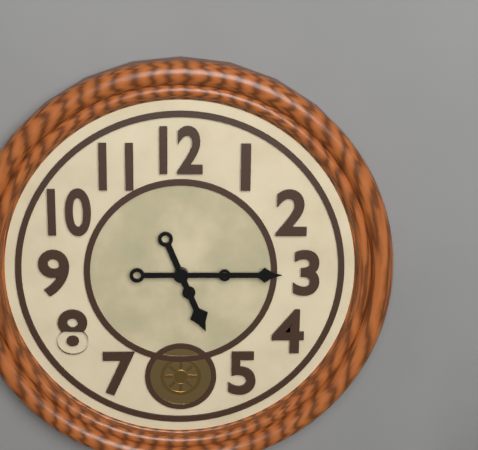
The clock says {"hour": 5, "minute": 15}
